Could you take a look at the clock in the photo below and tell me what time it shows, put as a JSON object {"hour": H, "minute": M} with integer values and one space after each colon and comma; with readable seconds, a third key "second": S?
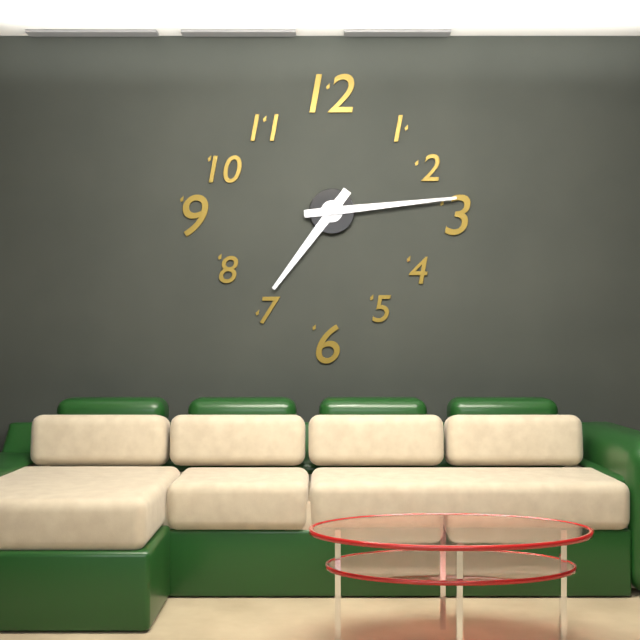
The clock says {"hour": 7, "minute": 14}
